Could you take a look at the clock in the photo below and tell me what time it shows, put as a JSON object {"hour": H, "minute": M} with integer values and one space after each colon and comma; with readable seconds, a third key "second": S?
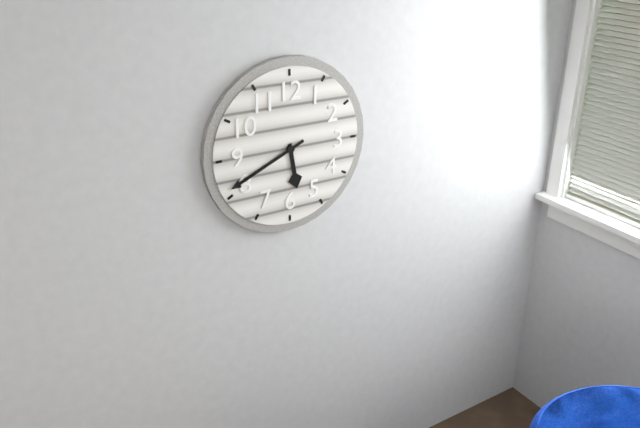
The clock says {"hour": 5, "minute": 41}
